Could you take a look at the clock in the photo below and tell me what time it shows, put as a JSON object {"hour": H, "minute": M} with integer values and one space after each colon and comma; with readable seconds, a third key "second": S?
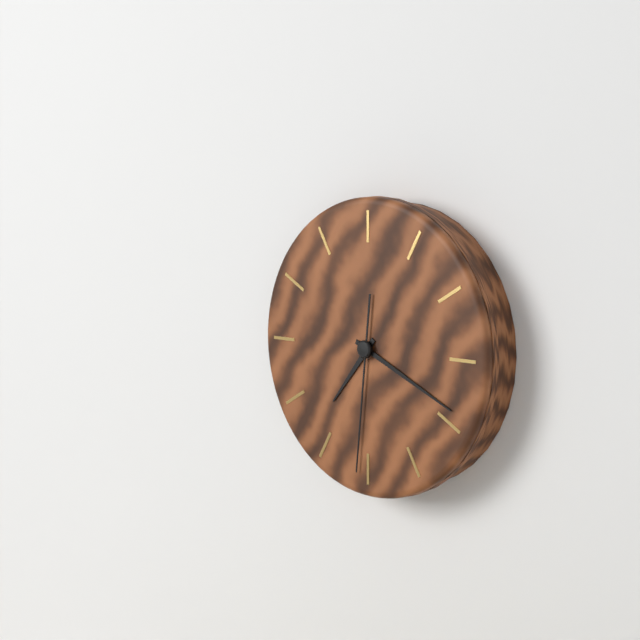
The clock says {"hour": 7, "minute": 19, "second": 31}
